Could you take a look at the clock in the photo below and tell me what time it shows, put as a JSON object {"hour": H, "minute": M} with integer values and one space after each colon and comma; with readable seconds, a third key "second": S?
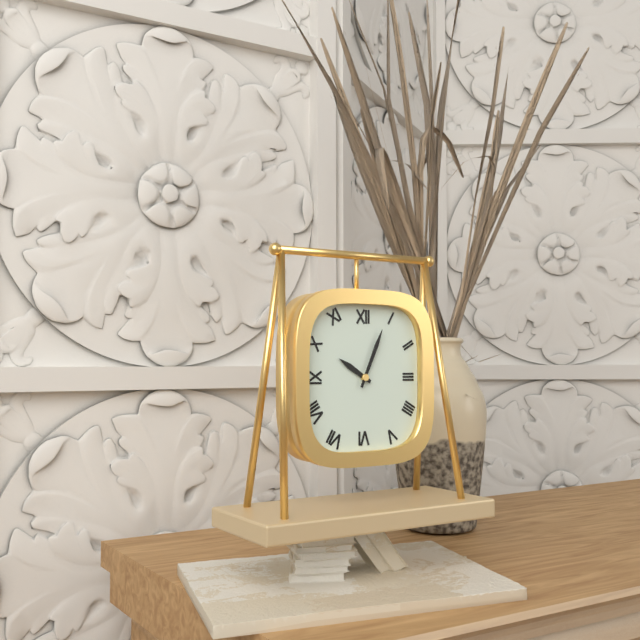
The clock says {"hour": 10, "minute": 4}
